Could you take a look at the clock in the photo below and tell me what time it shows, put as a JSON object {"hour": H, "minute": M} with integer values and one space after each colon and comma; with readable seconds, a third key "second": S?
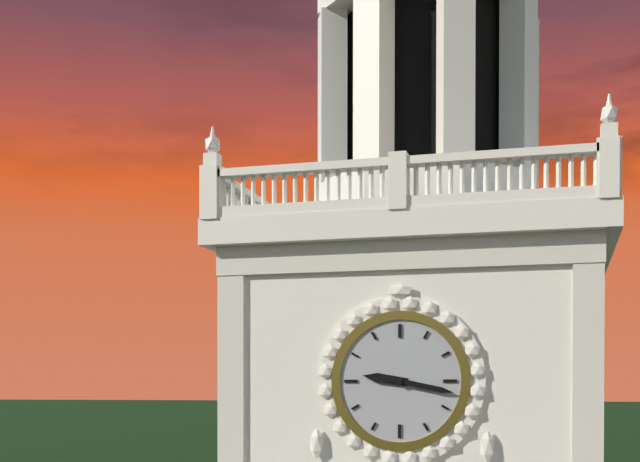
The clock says {"hour": 9, "minute": 17}
